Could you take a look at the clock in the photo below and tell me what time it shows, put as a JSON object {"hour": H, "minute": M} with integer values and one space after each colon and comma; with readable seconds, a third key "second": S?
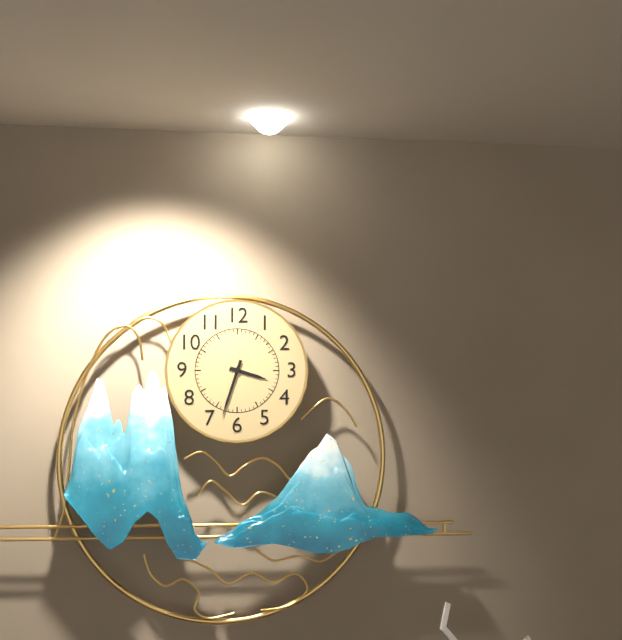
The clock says {"hour": 3, "minute": 33}
